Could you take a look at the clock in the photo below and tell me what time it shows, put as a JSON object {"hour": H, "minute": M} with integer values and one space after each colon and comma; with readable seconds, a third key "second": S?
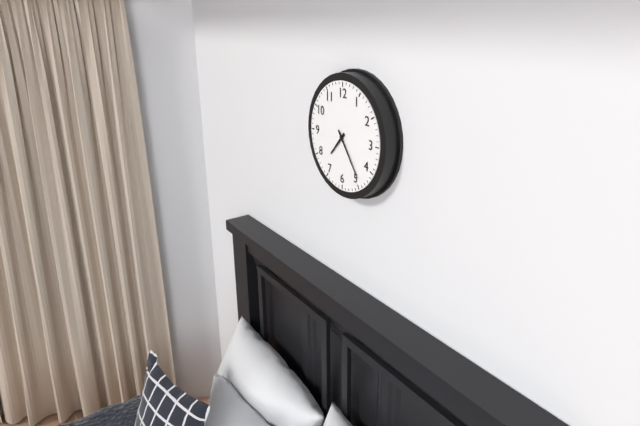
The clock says {"hour": 7, "minute": 24}
